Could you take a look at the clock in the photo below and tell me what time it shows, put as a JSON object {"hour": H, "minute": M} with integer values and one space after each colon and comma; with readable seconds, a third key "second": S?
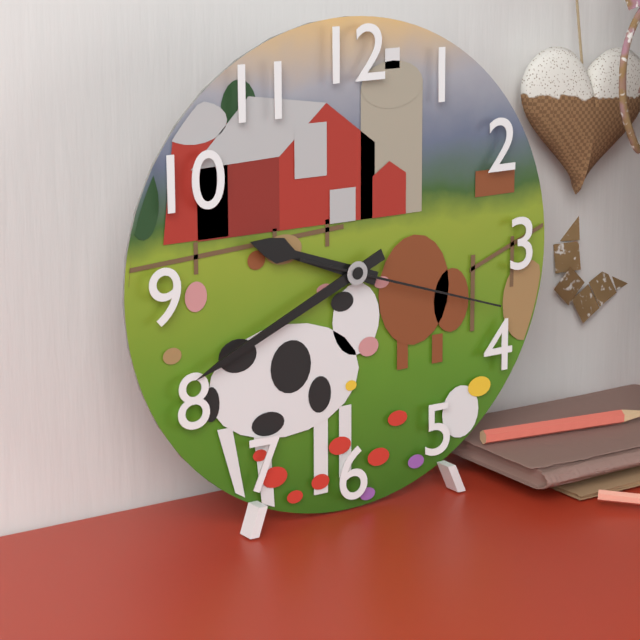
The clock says {"hour": 9, "minute": 41, "second": 18}
